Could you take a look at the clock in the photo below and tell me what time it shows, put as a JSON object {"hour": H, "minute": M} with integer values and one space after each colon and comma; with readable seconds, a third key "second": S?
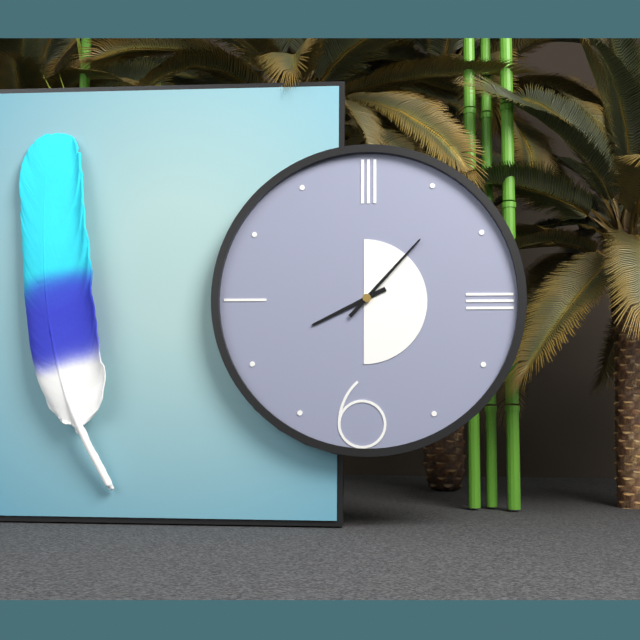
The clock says {"hour": 8, "minute": 7}
